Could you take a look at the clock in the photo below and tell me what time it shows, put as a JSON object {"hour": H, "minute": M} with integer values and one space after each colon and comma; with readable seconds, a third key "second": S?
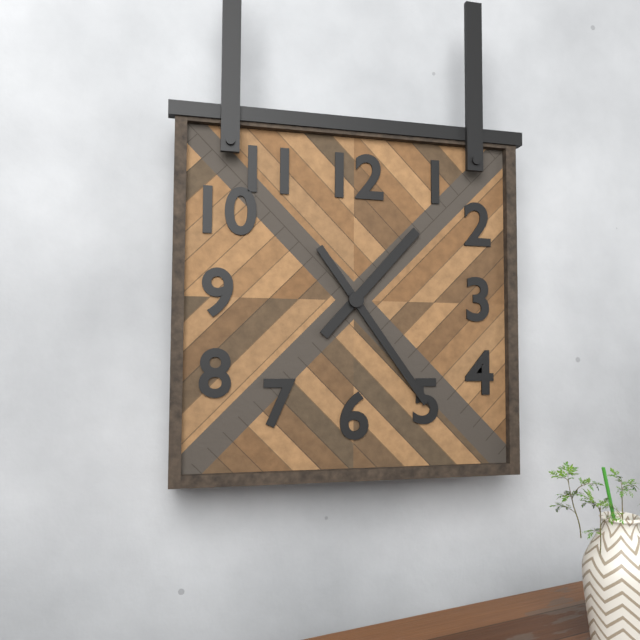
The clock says {"hour": 1, "minute": 24}
